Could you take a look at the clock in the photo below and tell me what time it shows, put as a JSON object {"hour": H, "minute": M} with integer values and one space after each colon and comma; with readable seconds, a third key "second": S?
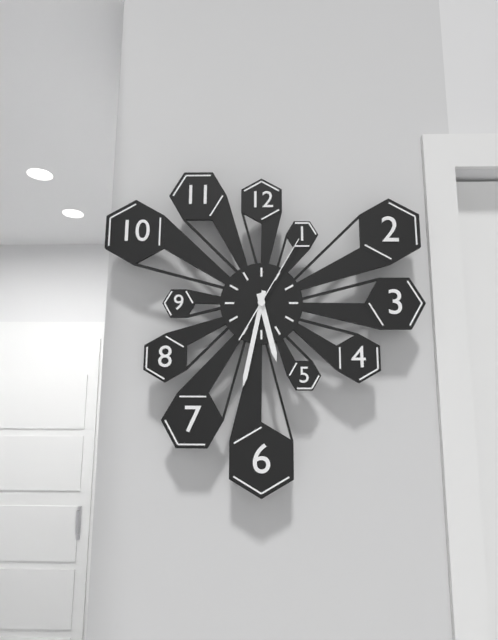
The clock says {"hour": 5, "minute": 32, "second": 5}
